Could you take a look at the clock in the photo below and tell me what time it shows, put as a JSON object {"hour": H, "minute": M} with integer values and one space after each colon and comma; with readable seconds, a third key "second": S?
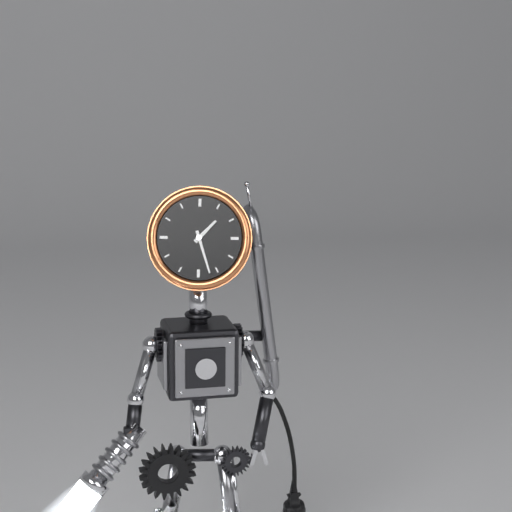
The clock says {"hour": 1, "minute": 27}
